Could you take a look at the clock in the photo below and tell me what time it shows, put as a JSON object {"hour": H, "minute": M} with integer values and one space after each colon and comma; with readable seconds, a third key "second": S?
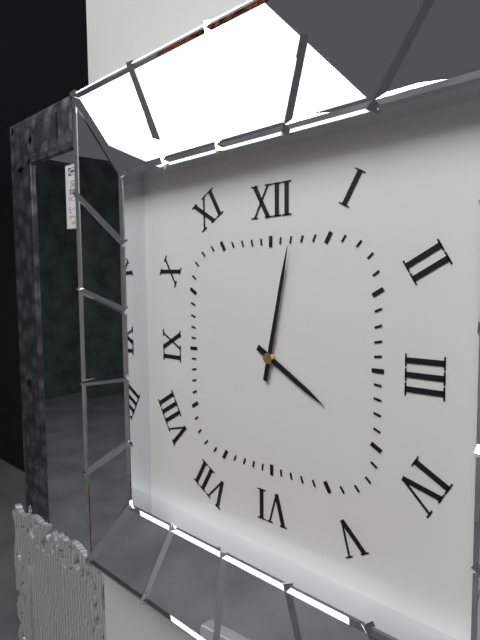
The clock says {"hour": 4, "minute": 2}
